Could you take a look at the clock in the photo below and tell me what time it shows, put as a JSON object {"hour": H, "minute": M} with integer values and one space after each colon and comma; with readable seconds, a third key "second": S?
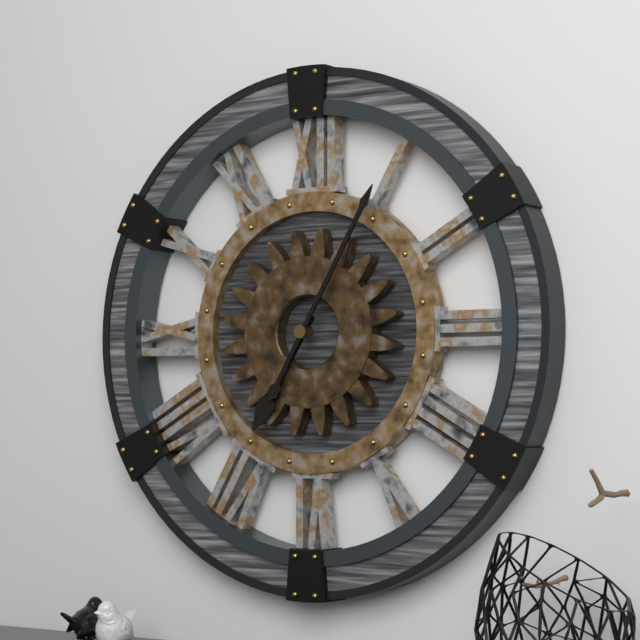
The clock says {"hour": 7, "minute": 5}
